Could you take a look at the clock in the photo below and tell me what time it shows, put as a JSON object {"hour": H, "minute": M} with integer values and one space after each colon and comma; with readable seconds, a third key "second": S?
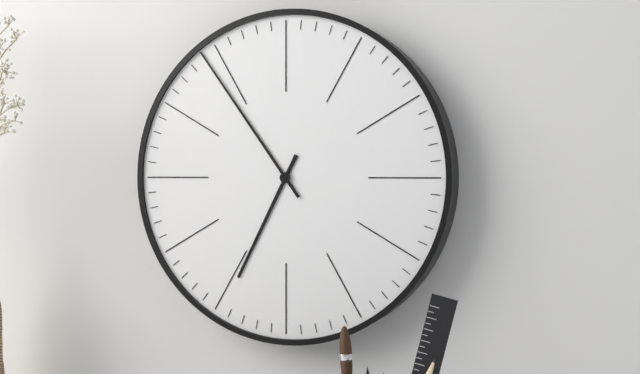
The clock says {"hour": 6, "minute": 54}
